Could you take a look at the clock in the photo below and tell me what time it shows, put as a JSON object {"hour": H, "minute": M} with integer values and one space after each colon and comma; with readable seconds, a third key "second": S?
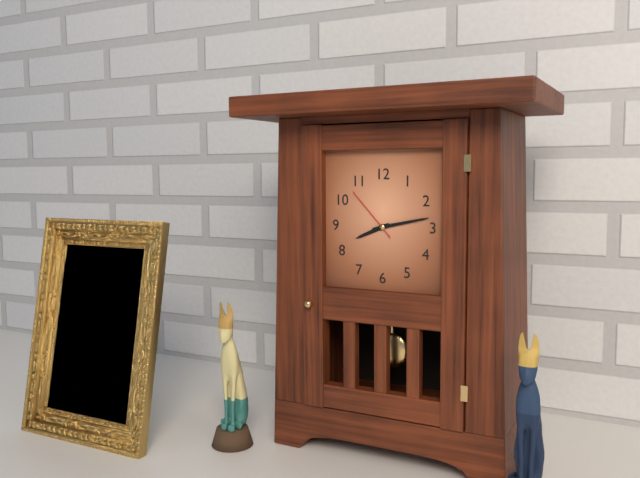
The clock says {"hour": 8, "minute": 13, "second": 53}
